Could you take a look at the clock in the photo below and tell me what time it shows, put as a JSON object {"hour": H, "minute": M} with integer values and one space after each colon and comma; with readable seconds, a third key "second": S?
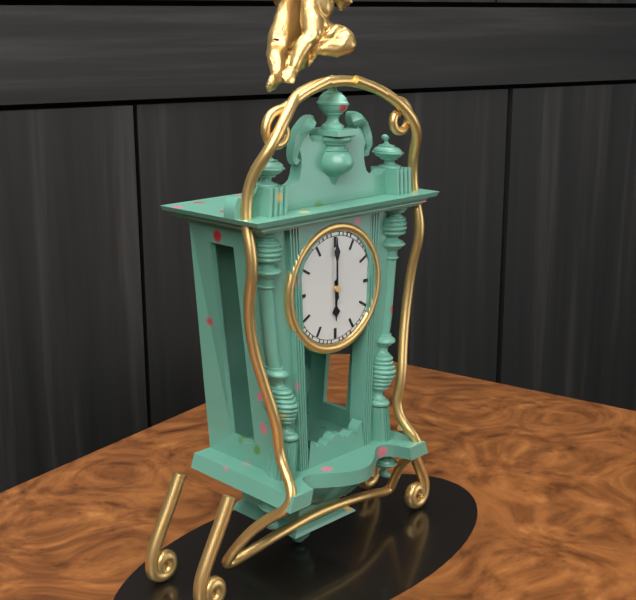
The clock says {"hour": 6, "minute": 0}
